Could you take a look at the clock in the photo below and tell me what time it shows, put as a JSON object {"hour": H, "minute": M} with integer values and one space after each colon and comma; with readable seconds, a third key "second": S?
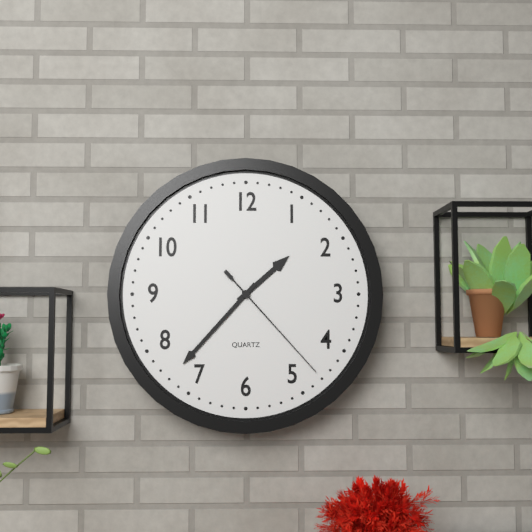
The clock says {"hour": 1, "minute": 37, "second": 23}
